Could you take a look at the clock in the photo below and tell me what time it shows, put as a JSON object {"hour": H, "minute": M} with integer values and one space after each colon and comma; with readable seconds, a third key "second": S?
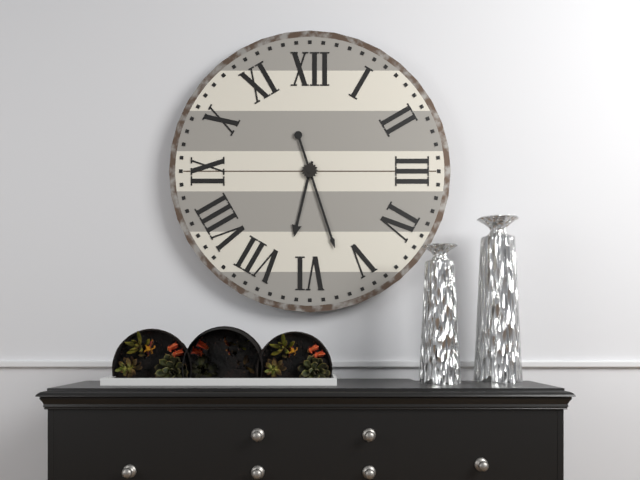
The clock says {"hour": 6, "minute": 27}
